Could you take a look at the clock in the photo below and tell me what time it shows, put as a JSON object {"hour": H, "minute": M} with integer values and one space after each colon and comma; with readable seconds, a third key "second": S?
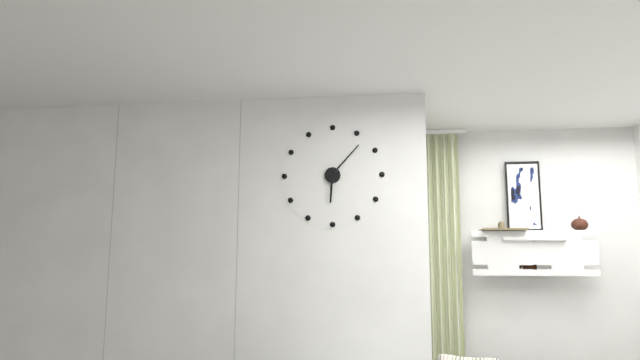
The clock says {"hour": 6, "minute": 7}
